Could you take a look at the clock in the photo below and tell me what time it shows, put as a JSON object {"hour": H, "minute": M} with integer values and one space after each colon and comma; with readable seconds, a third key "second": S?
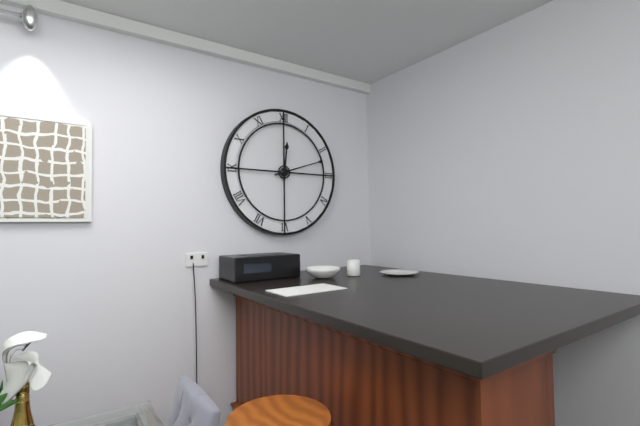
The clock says {"hour": 12, "minute": 12}
